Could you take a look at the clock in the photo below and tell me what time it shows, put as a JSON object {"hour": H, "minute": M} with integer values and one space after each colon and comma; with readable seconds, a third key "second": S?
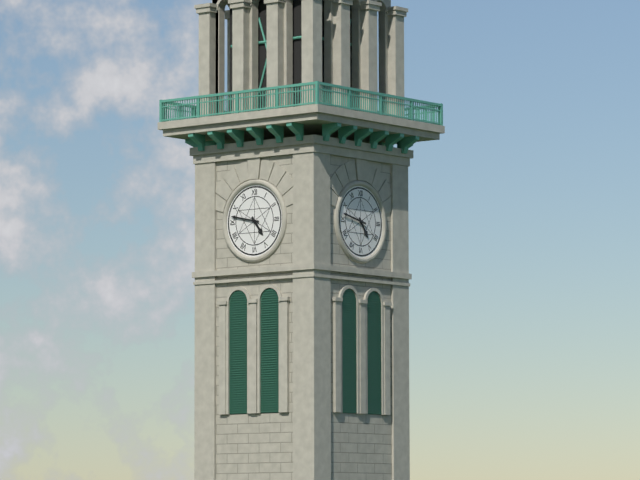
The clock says {"hour": 4, "minute": 47}
